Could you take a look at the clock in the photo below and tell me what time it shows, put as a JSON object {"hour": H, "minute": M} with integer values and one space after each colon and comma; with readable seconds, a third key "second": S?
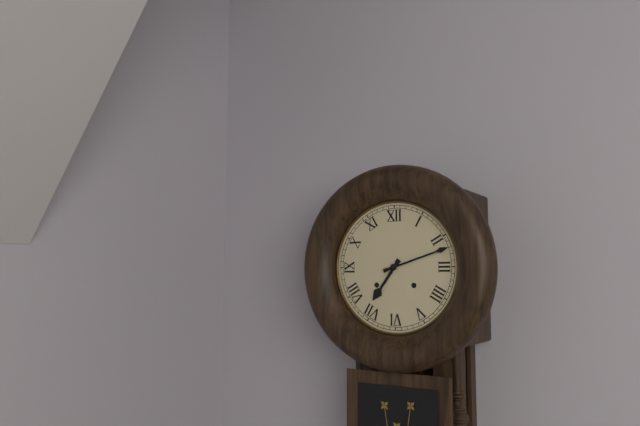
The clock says {"hour": 7, "minute": 12}
